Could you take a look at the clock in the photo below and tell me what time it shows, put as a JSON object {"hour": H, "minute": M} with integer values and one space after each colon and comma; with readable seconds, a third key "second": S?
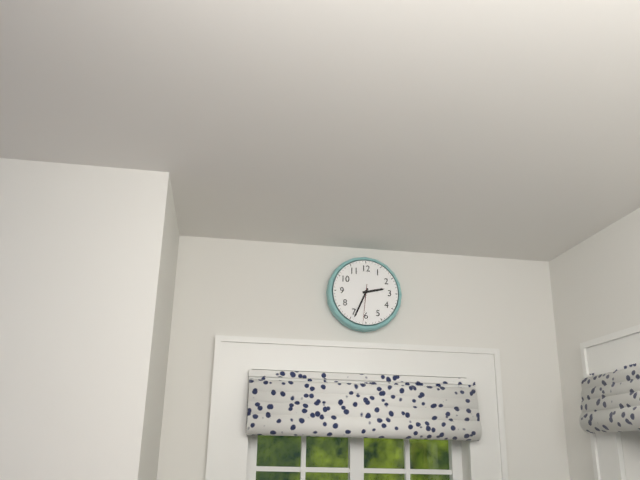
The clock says {"hour": 2, "minute": 34}
